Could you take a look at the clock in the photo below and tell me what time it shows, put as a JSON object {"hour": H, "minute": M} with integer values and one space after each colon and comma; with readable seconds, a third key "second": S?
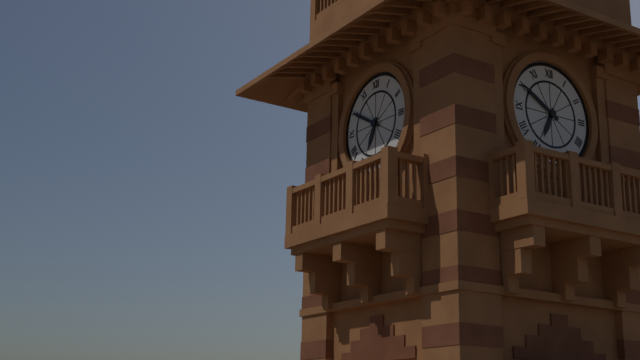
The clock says {"hour": 6, "minute": 50}
